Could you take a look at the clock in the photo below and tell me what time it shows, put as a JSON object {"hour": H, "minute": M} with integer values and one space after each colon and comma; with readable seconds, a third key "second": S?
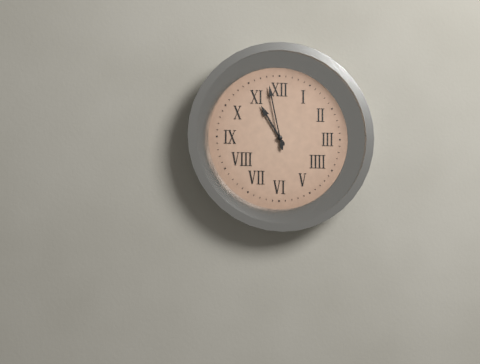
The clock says {"hour": 10, "minute": 58}
